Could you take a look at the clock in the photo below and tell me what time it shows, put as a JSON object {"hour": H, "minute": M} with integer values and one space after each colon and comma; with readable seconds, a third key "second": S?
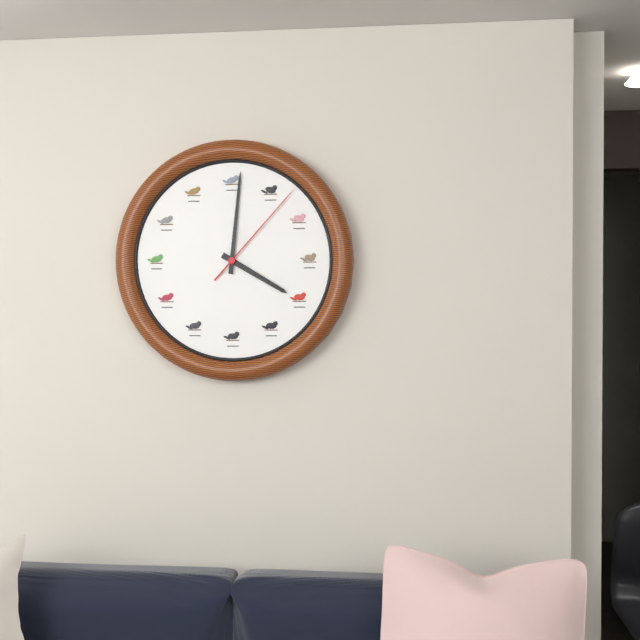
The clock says {"hour": 4, "minute": 1, "second": 7}
